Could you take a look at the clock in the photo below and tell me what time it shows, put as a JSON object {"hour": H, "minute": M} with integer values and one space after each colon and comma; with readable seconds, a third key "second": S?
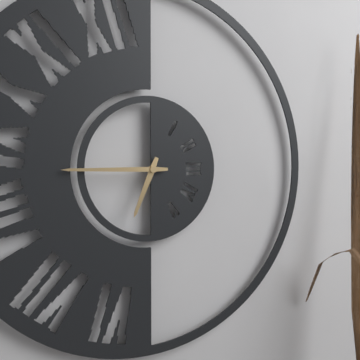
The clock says {"hour": 6, "minute": 45}
